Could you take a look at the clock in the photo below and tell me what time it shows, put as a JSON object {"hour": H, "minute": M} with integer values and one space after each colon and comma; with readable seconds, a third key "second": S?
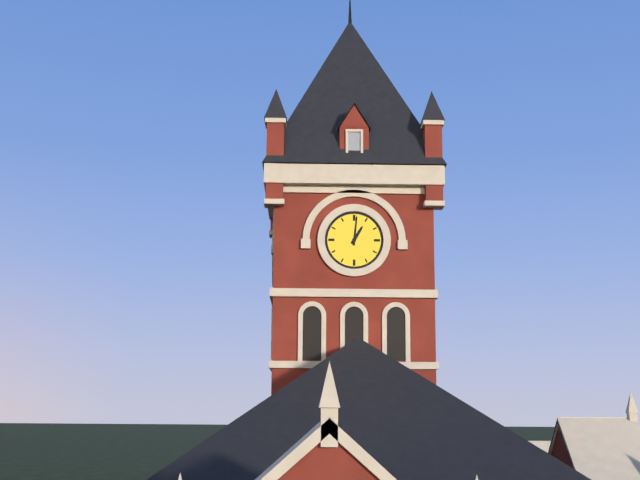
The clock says {"hour": 1, "minute": 1}
